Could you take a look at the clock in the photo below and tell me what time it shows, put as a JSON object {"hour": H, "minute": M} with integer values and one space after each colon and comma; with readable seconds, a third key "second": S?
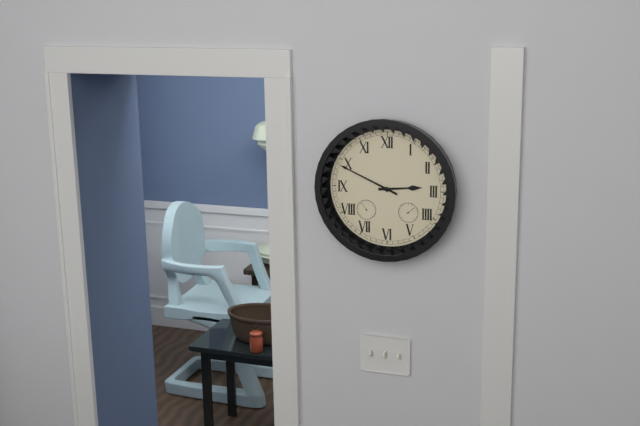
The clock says {"hour": 2, "minute": 49}
